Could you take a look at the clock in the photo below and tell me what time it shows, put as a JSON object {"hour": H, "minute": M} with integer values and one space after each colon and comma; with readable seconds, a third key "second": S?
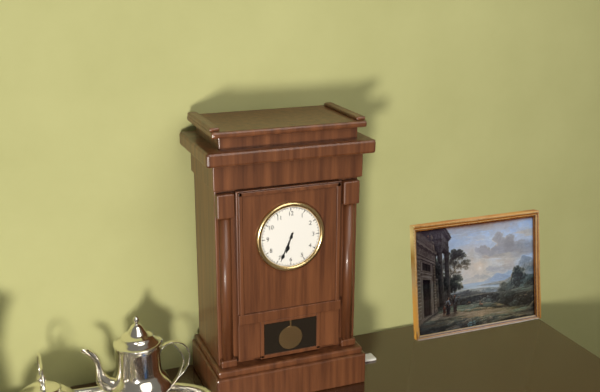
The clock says {"hour": 6, "minute": 34}
